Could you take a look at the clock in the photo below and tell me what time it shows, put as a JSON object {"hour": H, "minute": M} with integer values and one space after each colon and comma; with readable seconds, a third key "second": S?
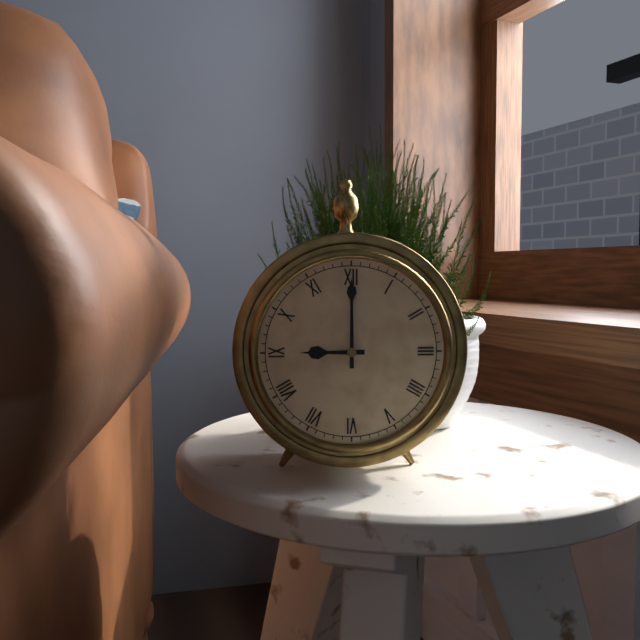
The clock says {"hour": 9, "minute": 0}
